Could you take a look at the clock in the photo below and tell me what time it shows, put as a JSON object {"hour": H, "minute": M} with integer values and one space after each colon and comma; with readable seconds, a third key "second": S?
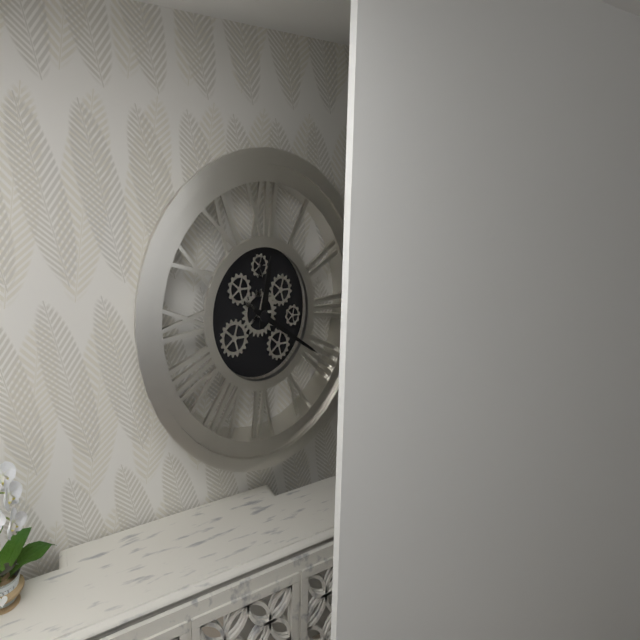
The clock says {"hour": 12, "minute": 20}
